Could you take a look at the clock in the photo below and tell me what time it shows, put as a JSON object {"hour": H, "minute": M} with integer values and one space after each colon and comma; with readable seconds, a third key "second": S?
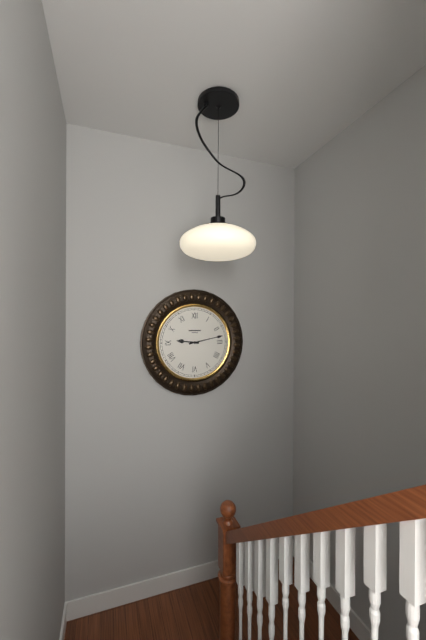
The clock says {"hour": 9, "minute": 13}
